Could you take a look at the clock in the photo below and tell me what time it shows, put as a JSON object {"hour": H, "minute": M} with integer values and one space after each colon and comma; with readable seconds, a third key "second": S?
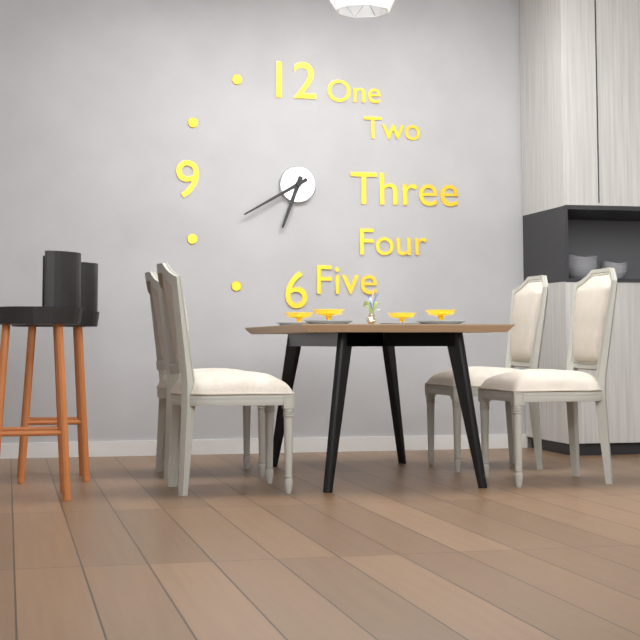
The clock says {"hour": 6, "minute": 40}
